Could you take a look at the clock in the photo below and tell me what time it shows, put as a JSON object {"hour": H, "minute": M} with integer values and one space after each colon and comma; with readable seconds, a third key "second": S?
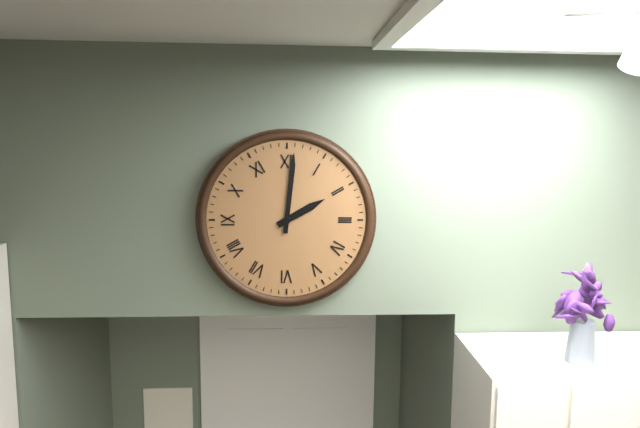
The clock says {"hour": 2, "minute": 1}
